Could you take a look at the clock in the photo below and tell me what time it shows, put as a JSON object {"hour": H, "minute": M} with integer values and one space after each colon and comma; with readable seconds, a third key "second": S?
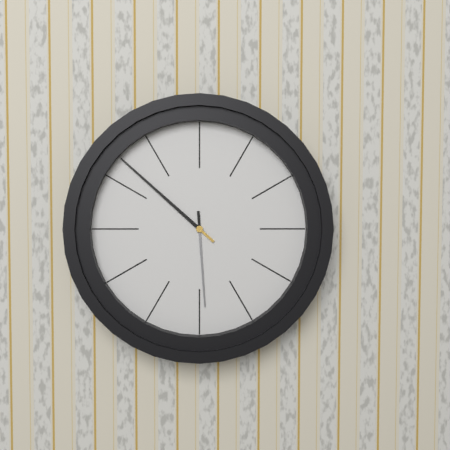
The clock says {"hour": 5, "minute": 52}
